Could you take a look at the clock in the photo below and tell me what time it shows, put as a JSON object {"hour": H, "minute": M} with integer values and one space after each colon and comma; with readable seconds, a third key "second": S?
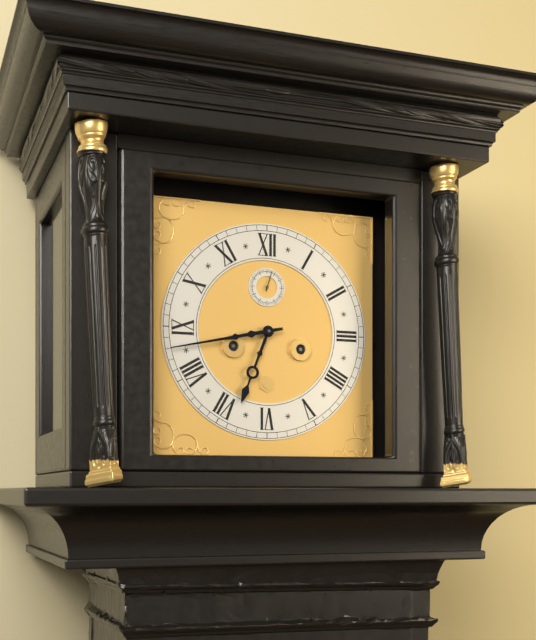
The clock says {"hour": 6, "minute": 43}
